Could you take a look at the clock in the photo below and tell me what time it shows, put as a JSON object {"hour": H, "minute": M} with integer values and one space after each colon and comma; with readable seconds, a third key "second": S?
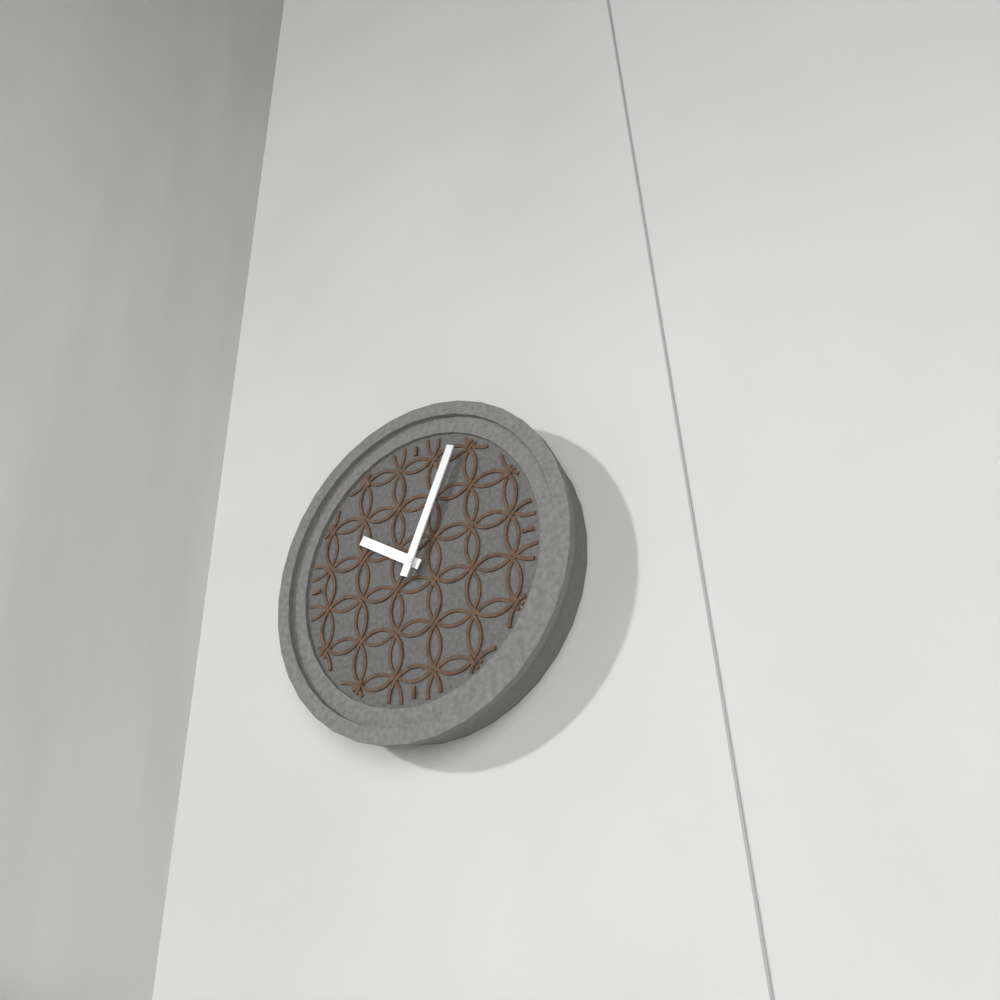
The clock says {"hour": 10, "minute": 4}
